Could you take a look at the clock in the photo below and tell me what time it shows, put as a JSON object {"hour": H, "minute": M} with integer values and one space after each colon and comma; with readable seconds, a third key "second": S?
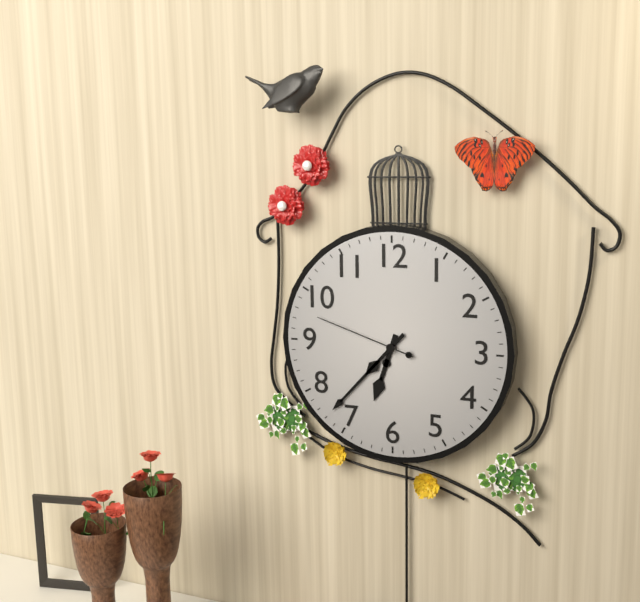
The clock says {"hour": 6, "minute": 37, "second": 48}
